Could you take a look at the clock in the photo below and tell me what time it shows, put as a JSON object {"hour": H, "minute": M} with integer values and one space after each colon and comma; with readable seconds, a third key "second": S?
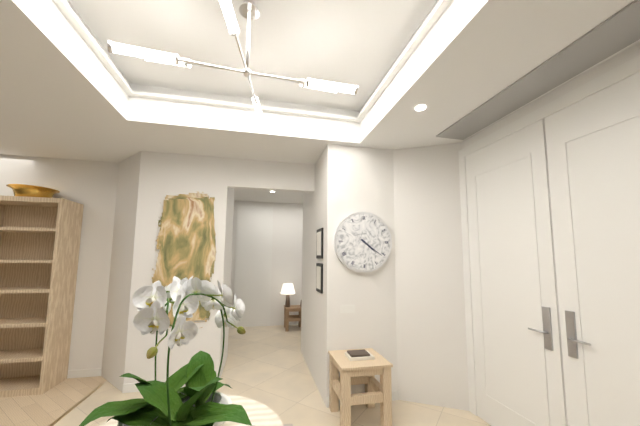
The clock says {"hour": 4, "minute": 21}
